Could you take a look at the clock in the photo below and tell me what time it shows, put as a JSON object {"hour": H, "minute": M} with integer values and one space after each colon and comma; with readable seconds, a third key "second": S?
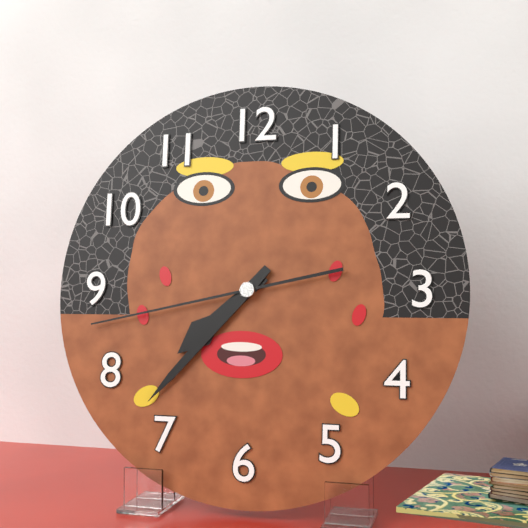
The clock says {"hour": 7, "minute": 37, "second": 43}
